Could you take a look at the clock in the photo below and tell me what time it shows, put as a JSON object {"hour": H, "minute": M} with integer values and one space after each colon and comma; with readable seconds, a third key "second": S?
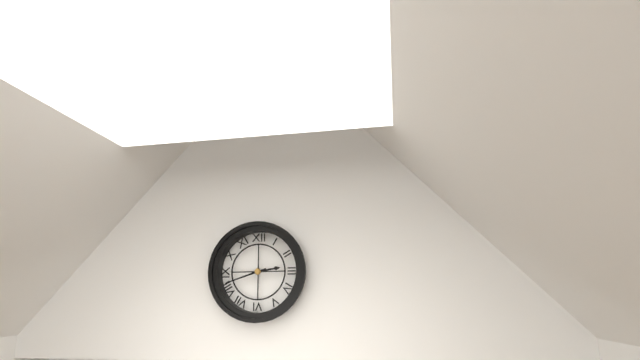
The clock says {"hour": 2, "minute": 42}
